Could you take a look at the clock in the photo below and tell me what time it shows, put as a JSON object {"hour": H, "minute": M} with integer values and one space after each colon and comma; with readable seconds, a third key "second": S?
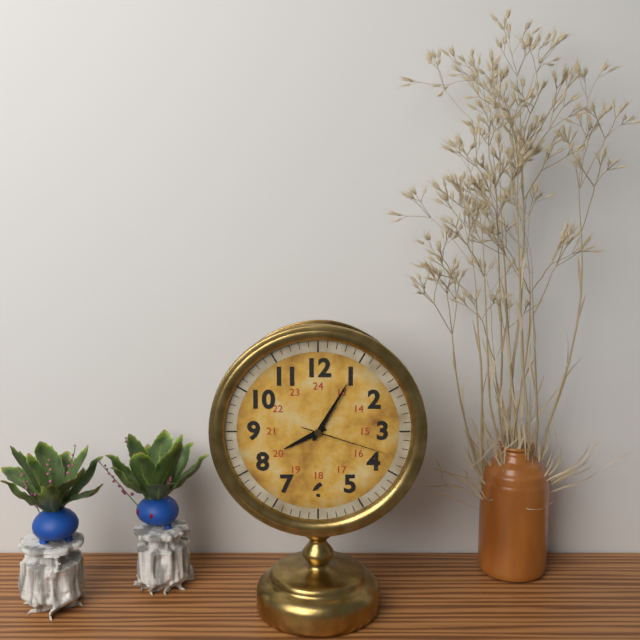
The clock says {"hour": 8, "minute": 5, "second": 18}
